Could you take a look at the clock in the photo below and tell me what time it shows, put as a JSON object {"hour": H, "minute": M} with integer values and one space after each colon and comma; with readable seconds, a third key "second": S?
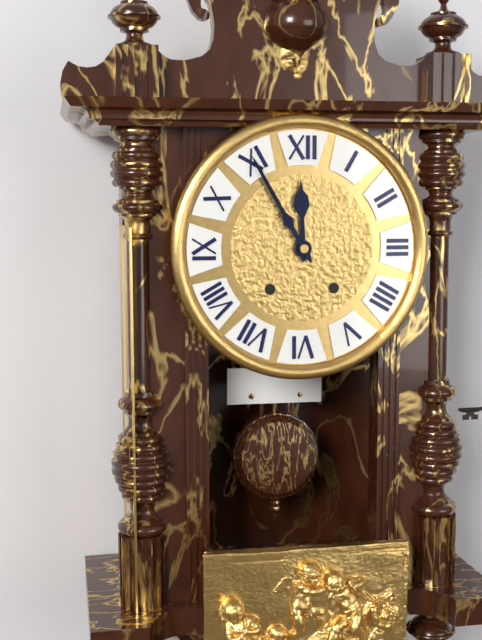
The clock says {"hour": 11, "minute": 55}
